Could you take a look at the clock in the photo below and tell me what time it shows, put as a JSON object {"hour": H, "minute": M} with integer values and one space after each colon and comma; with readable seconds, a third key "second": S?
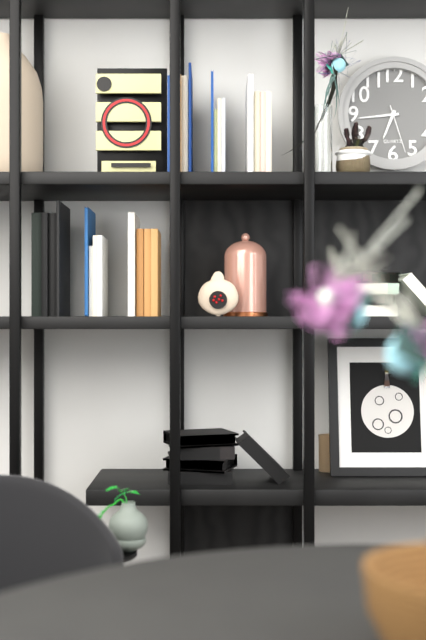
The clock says {"hour": 6, "minute": 44}
